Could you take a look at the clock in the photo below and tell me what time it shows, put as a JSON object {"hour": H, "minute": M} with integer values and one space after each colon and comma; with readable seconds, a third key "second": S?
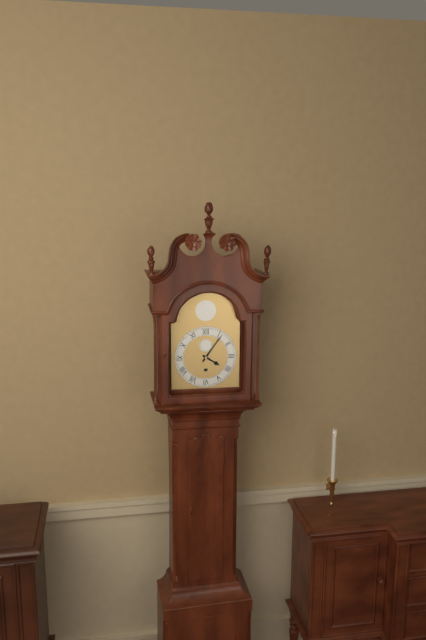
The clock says {"hour": 4, "minute": 6}
